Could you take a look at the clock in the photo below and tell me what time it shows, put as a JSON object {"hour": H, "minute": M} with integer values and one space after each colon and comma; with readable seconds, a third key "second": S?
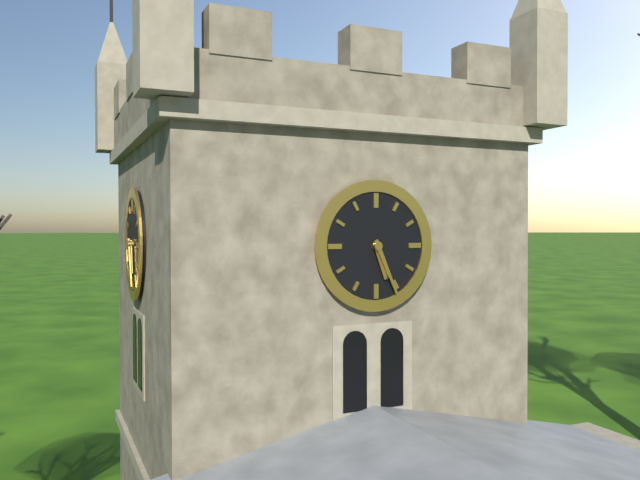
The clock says {"hour": 5, "minute": 26}
